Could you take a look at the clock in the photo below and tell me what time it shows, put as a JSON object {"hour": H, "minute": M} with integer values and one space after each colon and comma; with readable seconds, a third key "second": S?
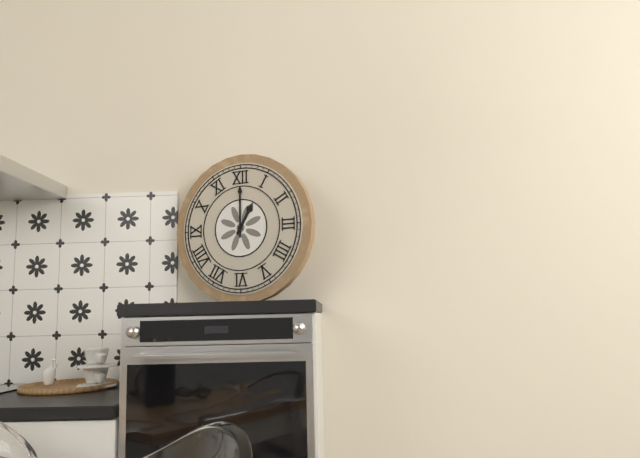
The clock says {"hour": 1, "minute": 0}
